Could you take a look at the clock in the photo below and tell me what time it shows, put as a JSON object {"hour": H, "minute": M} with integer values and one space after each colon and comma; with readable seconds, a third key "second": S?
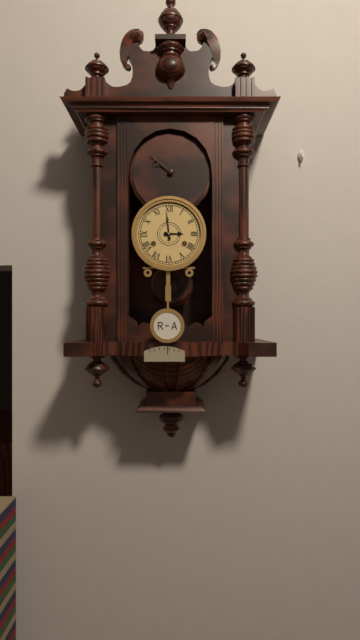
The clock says {"hour": 2, "minute": 59}
